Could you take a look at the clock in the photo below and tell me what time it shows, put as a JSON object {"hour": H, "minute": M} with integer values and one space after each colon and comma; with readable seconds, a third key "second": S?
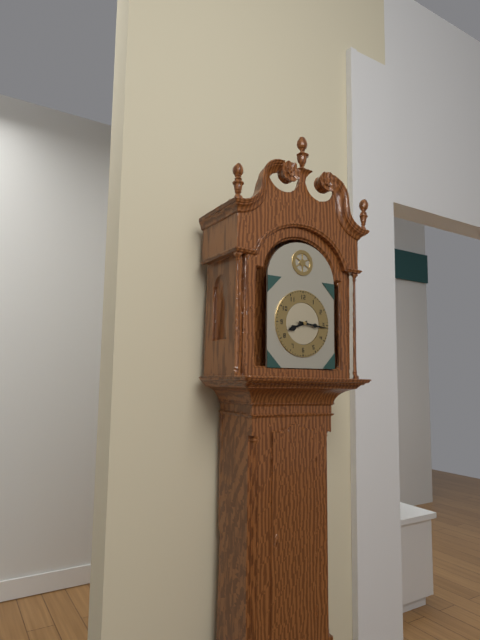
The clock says {"hour": 8, "minute": 16}
